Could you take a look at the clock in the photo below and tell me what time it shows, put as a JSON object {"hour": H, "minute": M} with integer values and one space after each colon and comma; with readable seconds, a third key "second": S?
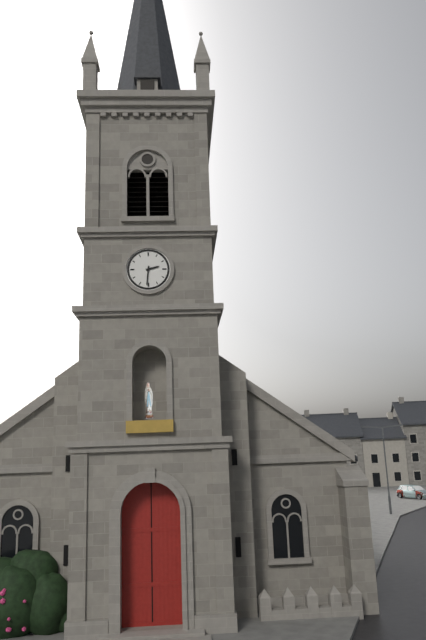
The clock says {"hour": 2, "minute": 31}
